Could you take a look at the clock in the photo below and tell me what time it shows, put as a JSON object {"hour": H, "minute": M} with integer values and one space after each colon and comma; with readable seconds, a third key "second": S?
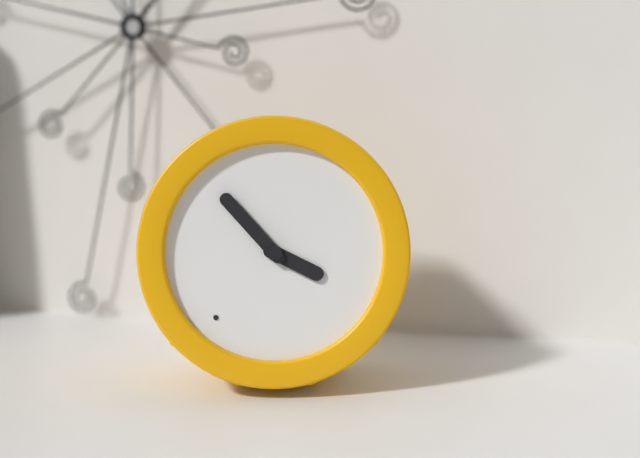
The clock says {"hour": 3, "minute": 53}
